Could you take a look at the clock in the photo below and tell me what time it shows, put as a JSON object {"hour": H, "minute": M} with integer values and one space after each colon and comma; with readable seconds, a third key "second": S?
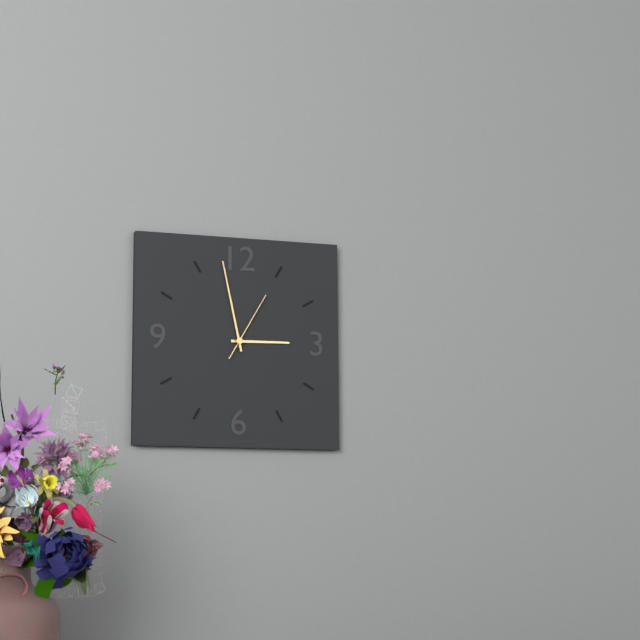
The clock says {"hour": 2, "minute": 58, "second": 5}
